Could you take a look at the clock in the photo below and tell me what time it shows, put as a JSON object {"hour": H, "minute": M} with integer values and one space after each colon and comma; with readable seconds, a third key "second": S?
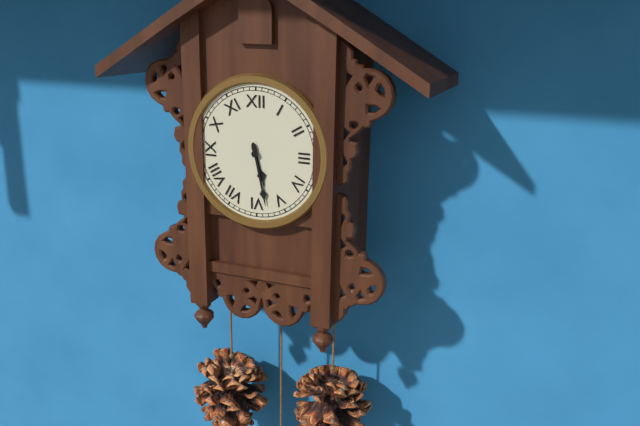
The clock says {"hour": 5, "minute": 28}
